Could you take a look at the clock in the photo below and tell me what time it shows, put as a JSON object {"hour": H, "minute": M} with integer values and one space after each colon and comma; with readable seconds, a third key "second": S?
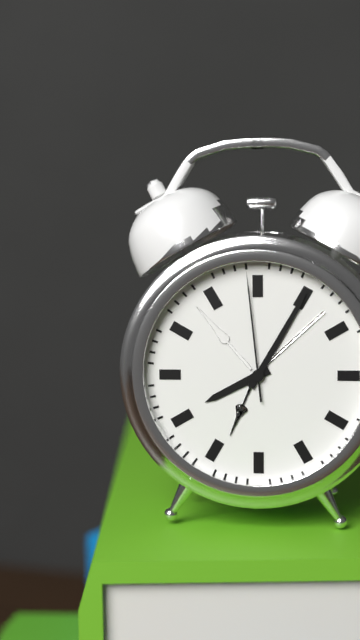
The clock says {"hour": 8, "minute": 5, "second": 59}
